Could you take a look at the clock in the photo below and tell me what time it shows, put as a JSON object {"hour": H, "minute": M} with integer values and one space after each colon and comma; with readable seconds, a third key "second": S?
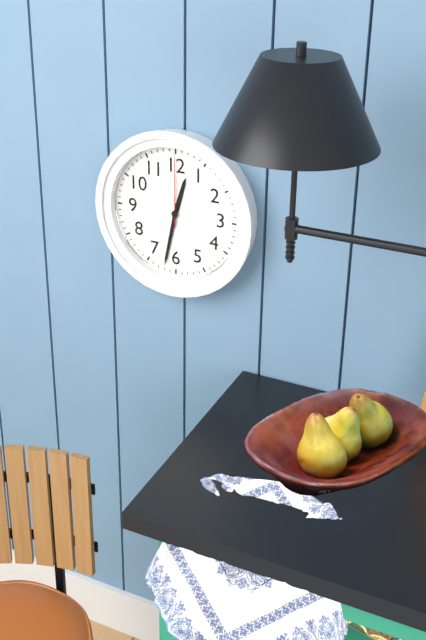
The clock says {"hour": 12, "minute": 32, "second": 0}
